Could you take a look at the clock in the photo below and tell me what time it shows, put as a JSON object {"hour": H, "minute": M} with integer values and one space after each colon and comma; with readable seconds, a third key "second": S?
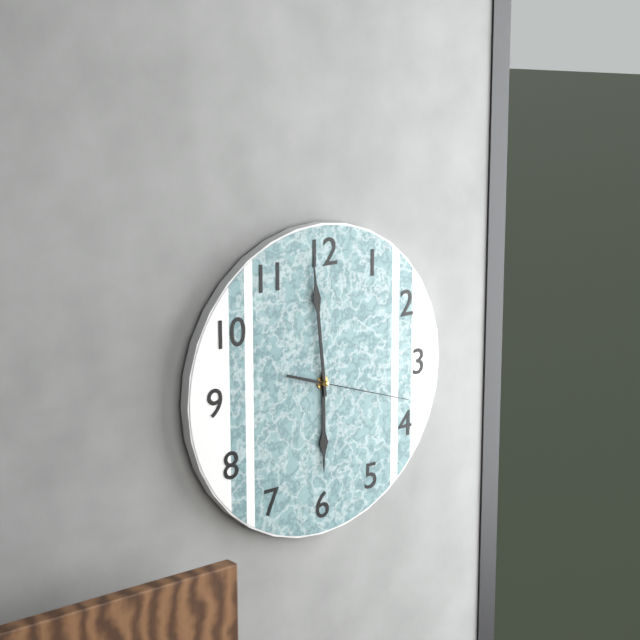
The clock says {"hour": 5, "minute": 59, "second": 18}
